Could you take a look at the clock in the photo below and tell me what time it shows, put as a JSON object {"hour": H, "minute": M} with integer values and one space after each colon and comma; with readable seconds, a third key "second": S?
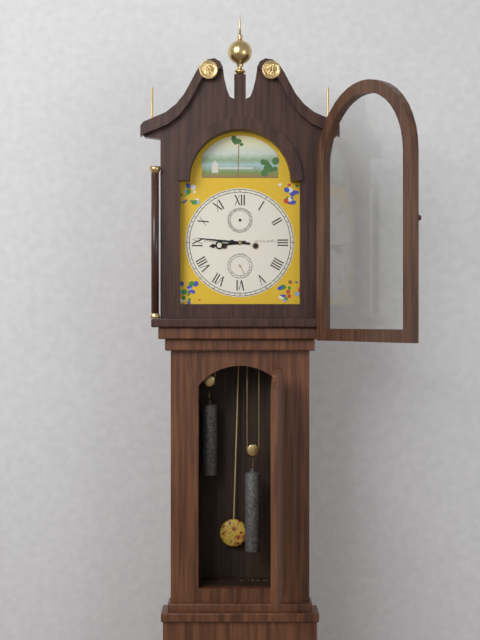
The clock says {"hour": 8, "minute": 46}
